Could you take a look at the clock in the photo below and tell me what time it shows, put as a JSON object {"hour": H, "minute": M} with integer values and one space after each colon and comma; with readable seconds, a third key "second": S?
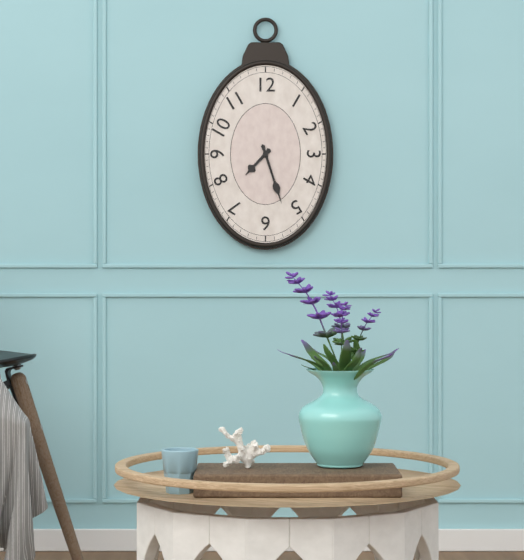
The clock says {"hour": 7, "minute": 27}
